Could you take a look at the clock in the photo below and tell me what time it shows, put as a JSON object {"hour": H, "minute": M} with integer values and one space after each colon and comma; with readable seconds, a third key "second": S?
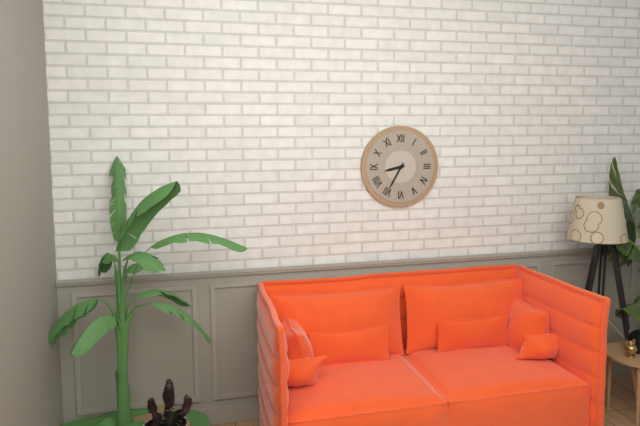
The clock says {"hour": 8, "minute": 35}
